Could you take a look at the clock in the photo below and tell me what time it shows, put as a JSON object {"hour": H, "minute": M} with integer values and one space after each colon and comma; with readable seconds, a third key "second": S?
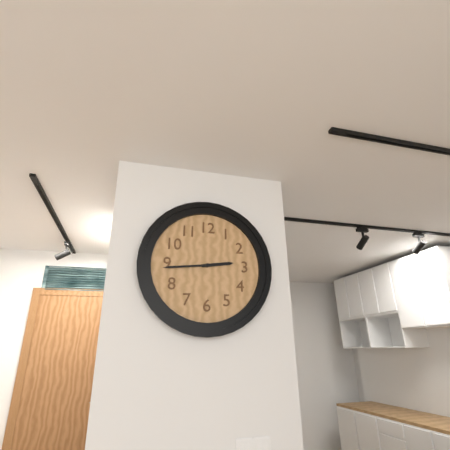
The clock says {"hour": 2, "minute": 44}
